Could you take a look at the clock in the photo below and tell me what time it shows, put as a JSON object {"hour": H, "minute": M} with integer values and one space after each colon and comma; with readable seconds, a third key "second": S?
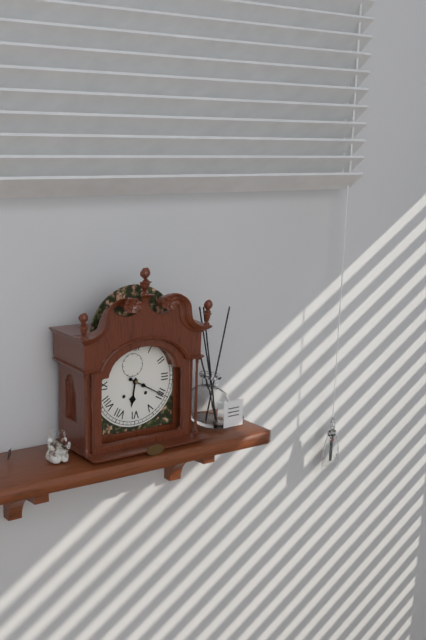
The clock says {"hour": 6, "minute": 20}
